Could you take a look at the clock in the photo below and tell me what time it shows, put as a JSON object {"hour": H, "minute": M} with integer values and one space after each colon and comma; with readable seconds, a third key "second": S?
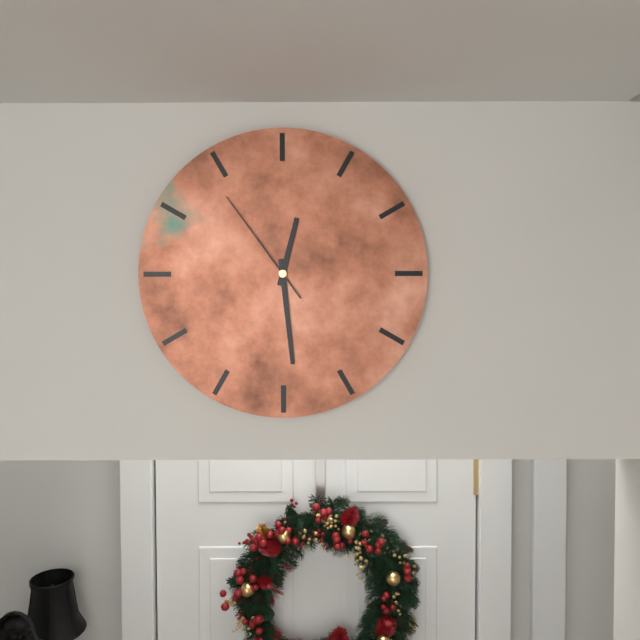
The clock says {"hour": 12, "minute": 29, "second": 54}
